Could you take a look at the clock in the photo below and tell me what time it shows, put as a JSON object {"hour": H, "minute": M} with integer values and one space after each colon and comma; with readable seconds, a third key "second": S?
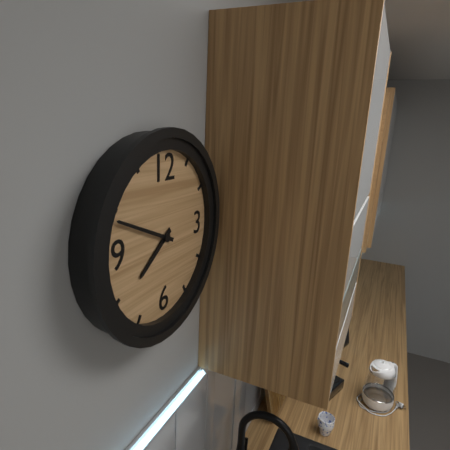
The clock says {"hour": 7, "minute": 49}
